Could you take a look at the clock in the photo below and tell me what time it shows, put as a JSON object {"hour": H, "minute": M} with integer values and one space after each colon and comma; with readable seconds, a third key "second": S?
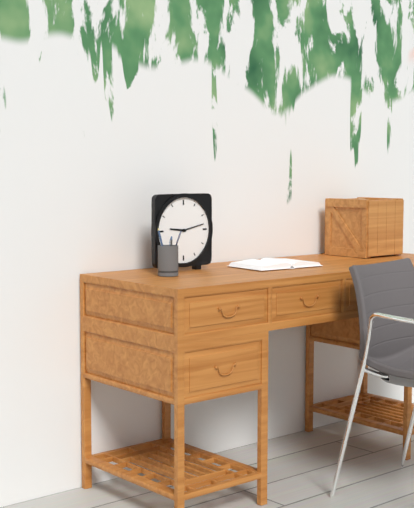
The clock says {"hour": 9, "minute": 13}
